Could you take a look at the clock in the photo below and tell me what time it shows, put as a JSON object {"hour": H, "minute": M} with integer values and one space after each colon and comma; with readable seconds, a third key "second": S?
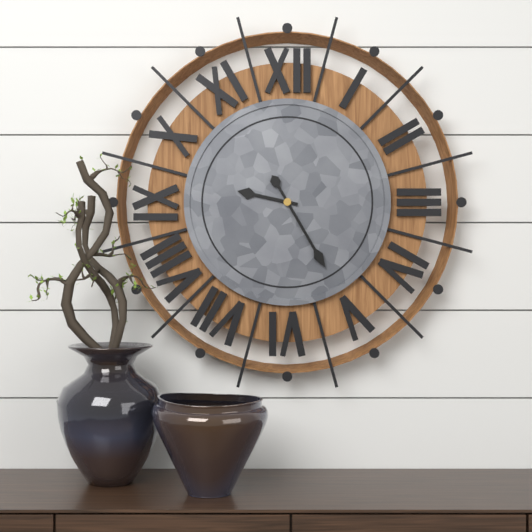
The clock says {"hour": 9, "minute": 25}
